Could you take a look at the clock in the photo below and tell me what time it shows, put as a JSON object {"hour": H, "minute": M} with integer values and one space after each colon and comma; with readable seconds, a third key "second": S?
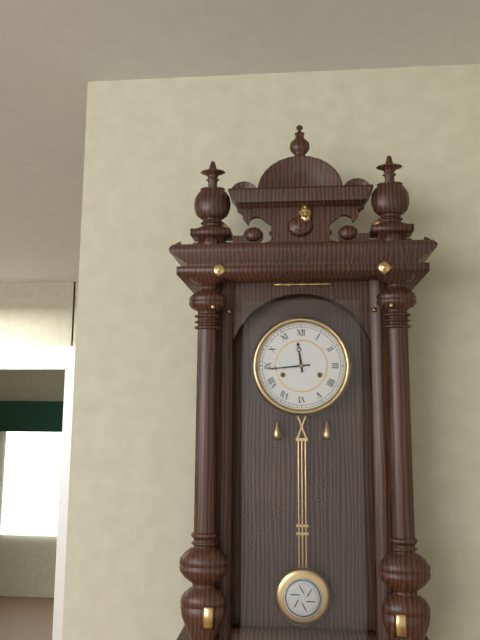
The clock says {"hour": 11, "minute": 44}
